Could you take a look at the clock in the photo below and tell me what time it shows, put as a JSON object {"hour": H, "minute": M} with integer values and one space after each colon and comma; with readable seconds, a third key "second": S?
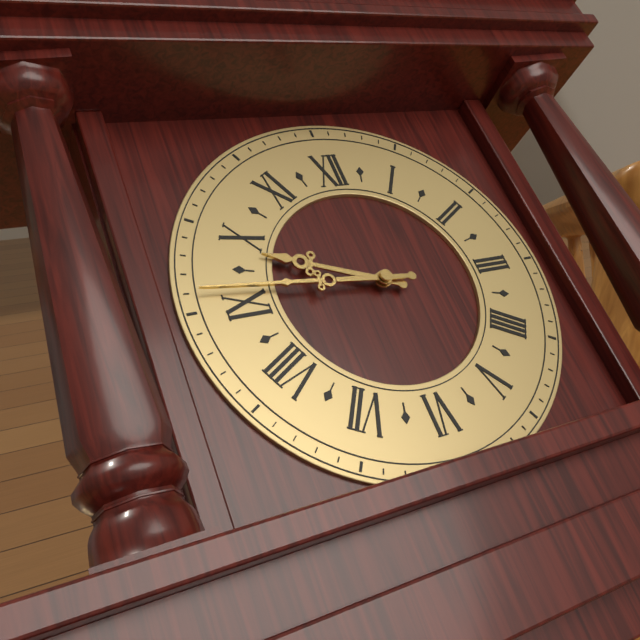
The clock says {"hour": 9, "minute": 46}
